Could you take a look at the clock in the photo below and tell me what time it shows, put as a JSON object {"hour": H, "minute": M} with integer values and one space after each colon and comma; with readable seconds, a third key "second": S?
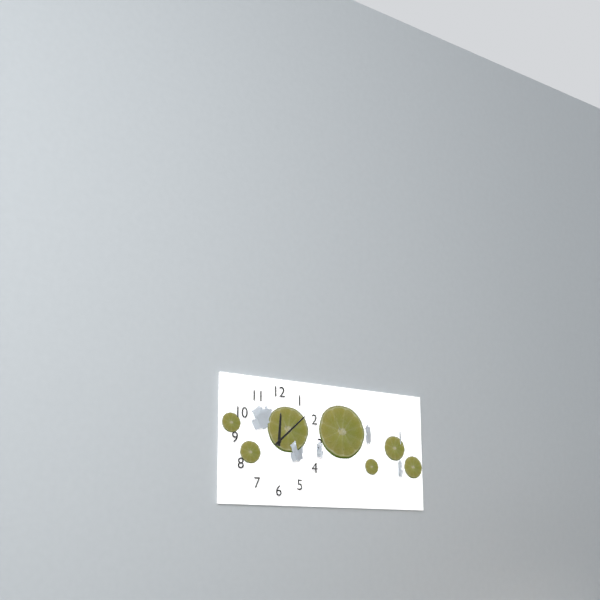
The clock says {"hour": 12, "minute": 8}
